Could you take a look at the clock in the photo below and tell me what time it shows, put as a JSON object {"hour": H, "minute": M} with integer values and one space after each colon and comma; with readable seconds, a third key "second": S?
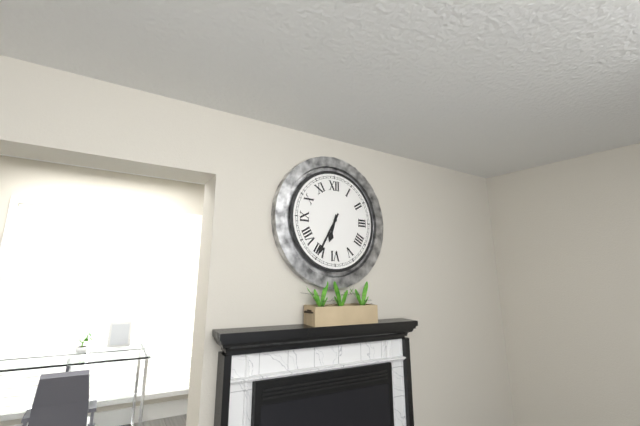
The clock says {"hour": 6, "minute": 35}
